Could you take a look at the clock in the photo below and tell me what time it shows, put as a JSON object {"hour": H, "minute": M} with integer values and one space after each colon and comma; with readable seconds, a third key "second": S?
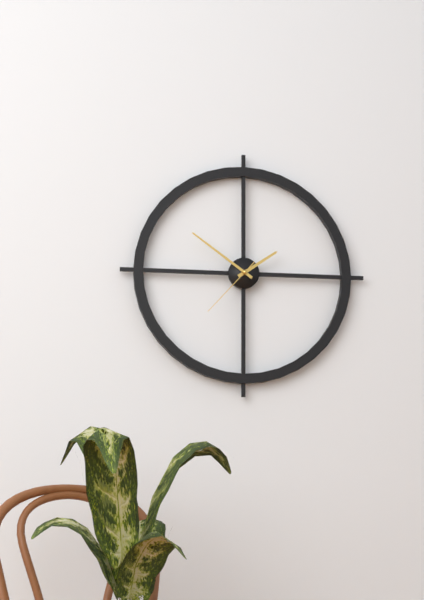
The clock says {"hour": 1, "minute": 51, "second": 37}
